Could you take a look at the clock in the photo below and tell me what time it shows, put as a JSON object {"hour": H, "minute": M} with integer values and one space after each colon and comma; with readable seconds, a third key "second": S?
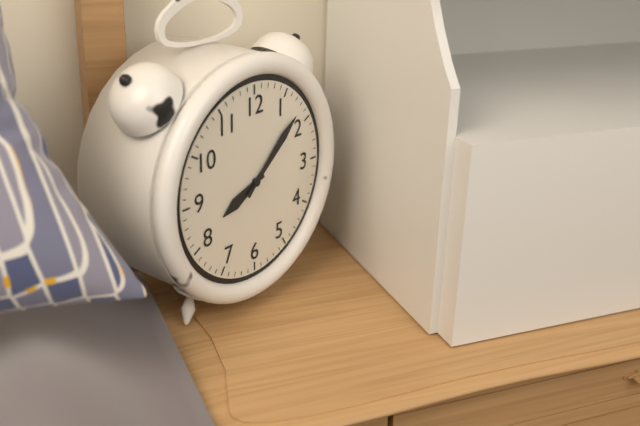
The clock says {"hour": 8, "minute": 8}
